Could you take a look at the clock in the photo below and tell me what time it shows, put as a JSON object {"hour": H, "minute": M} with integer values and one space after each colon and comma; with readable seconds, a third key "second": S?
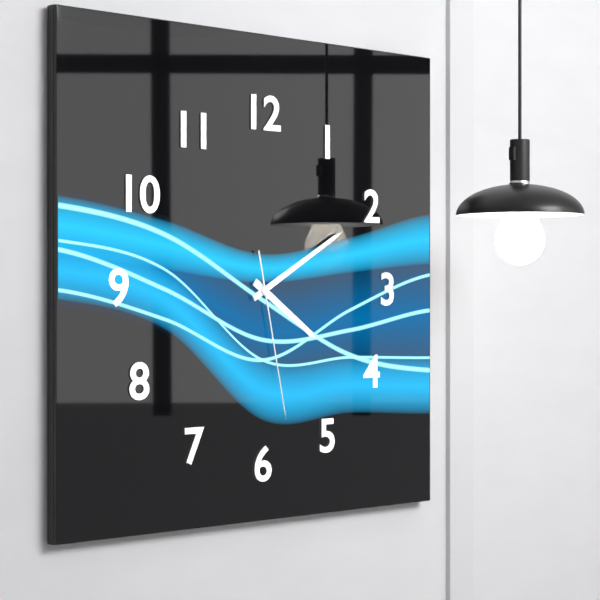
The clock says {"hour": 4, "minute": 10, "second": 28}
